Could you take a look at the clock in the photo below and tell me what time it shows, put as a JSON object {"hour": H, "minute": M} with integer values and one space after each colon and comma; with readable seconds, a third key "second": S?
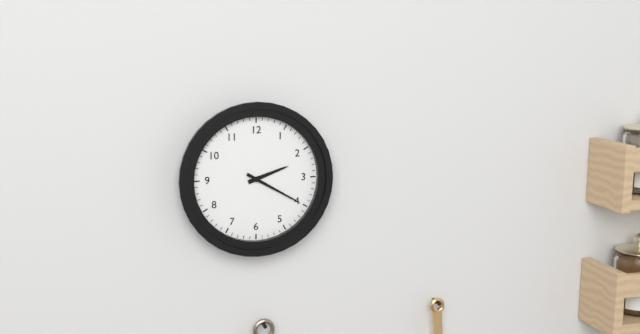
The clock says {"hour": 2, "minute": 20}
